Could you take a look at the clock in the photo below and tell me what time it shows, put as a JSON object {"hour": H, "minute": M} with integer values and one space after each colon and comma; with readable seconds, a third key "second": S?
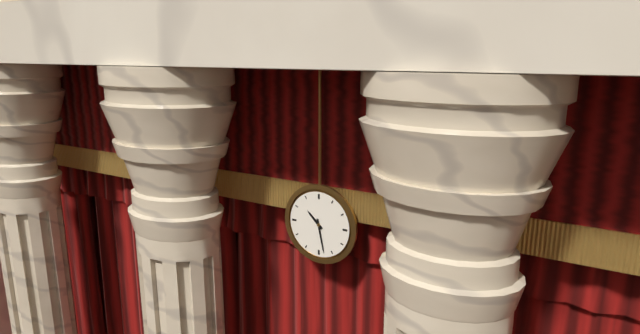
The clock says {"hour": 10, "minute": 28}
